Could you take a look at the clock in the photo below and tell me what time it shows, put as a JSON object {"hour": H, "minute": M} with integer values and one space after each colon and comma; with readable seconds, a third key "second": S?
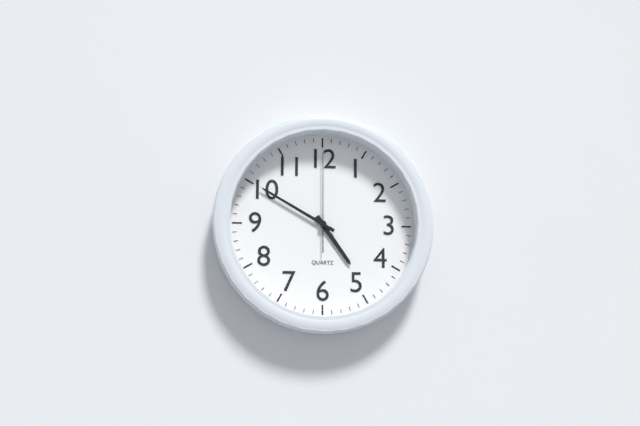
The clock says {"hour": 4, "minute": 50, "second": 0}
